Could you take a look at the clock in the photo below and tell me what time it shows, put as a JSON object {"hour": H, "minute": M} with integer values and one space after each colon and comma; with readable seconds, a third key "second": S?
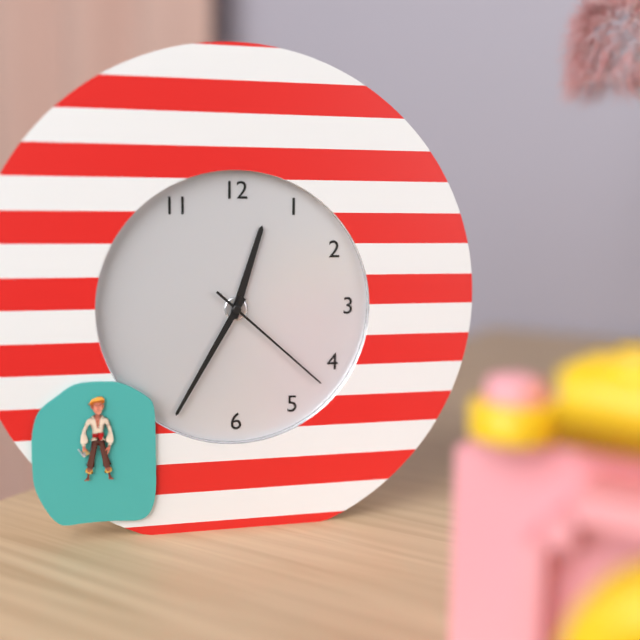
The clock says {"hour": 12, "minute": 35, "second": 22}
